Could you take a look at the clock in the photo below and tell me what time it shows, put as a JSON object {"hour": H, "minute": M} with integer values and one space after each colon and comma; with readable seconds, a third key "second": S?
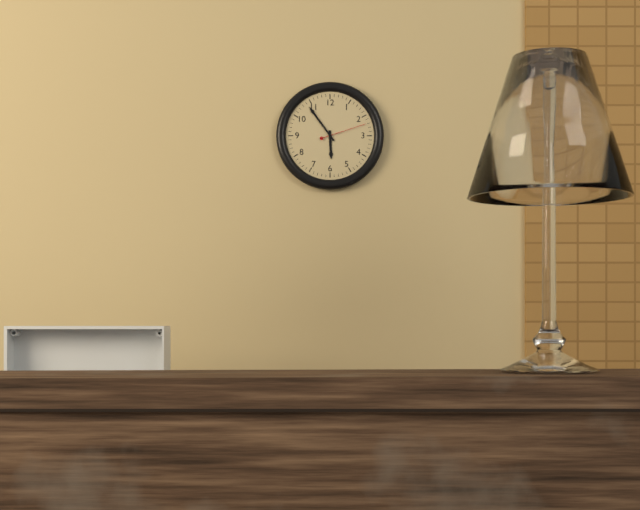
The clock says {"hour": 5, "minute": 54}
